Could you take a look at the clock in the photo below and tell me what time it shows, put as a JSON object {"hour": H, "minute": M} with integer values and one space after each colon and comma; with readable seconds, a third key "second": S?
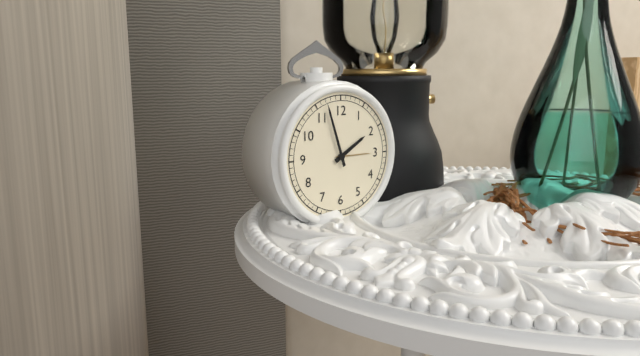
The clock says {"hour": 1, "minute": 57}
